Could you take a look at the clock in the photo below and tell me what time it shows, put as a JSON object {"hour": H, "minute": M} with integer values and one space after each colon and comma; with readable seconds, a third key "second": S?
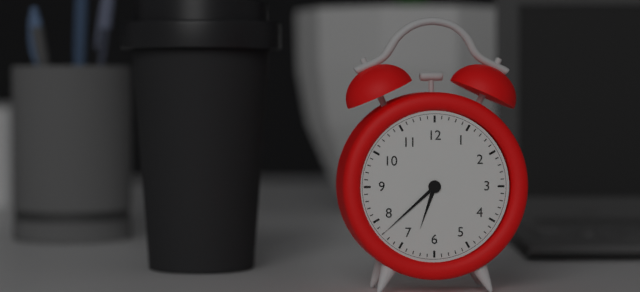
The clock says {"hour": 6, "minute": 38}
